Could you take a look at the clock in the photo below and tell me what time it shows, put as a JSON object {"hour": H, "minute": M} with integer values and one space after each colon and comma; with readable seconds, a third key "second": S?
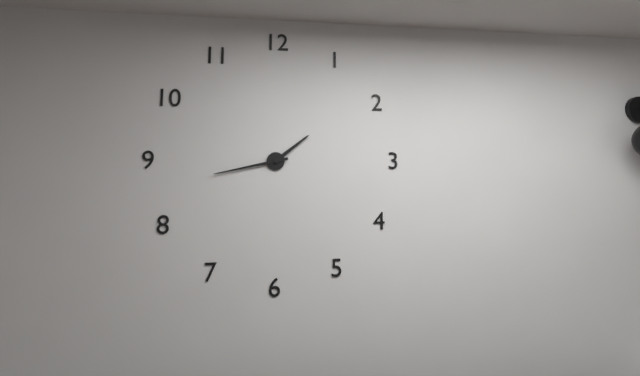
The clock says {"hour": 1, "minute": 43}
